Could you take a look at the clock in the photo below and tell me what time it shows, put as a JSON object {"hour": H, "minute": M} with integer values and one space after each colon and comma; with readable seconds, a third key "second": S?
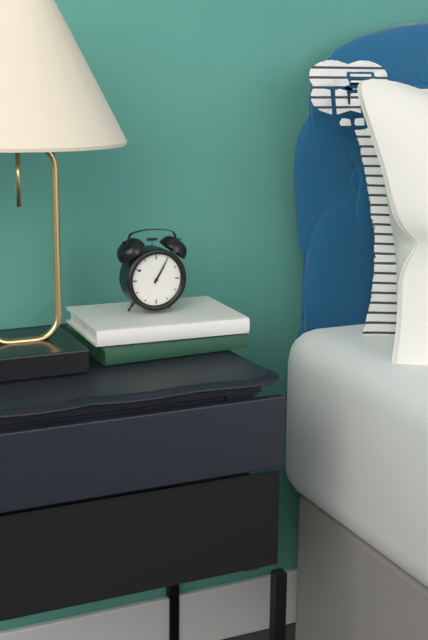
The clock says {"hour": 1, "minute": 5}
